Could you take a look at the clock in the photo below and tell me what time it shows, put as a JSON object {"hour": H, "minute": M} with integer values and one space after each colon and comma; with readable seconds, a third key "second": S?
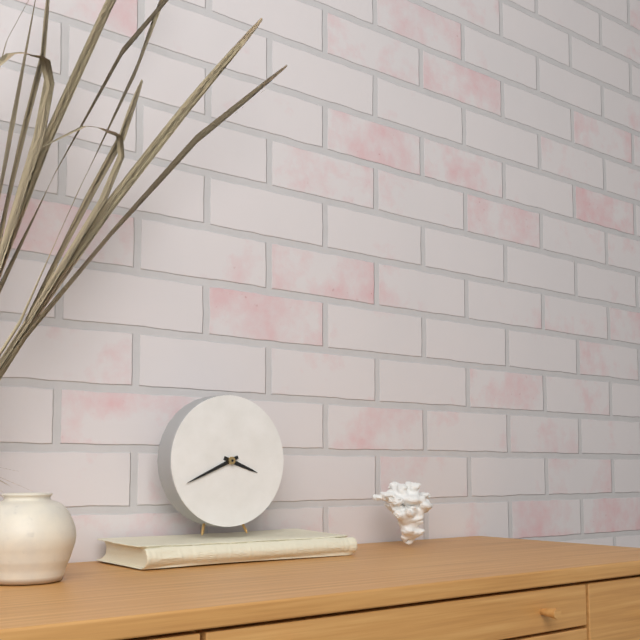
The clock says {"hour": 3, "minute": 41}
